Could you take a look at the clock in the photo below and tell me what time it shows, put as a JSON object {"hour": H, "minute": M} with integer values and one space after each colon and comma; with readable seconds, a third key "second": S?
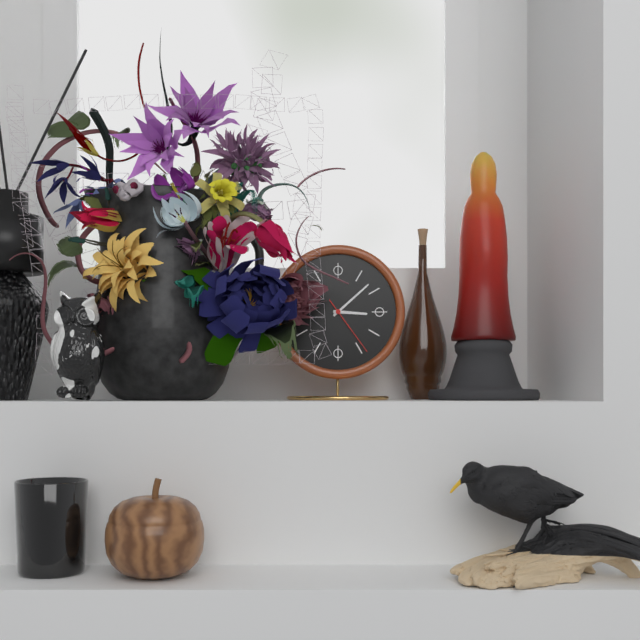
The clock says {"hour": 3, "minute": 8, "second": 24}
